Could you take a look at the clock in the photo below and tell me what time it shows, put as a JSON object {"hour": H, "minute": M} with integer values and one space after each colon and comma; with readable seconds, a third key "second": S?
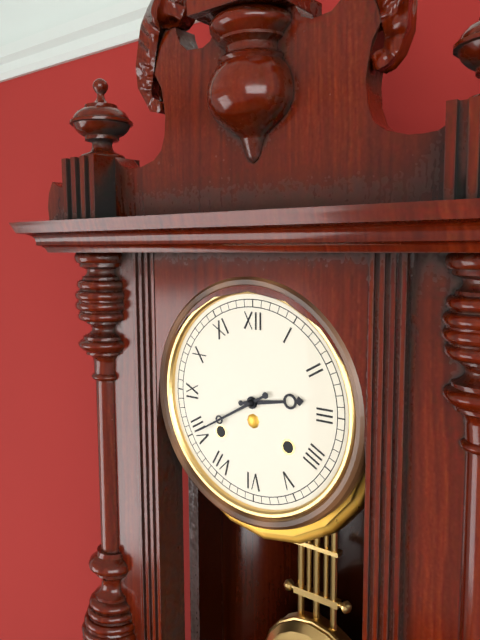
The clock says {"hour": 2, "minute": 40}
